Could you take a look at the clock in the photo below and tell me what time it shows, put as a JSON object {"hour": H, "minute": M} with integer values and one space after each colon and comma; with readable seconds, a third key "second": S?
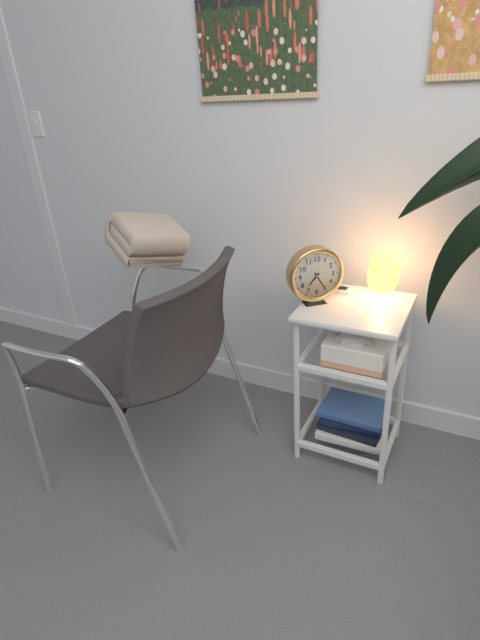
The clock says {"hour": 7, "minute": 25}
